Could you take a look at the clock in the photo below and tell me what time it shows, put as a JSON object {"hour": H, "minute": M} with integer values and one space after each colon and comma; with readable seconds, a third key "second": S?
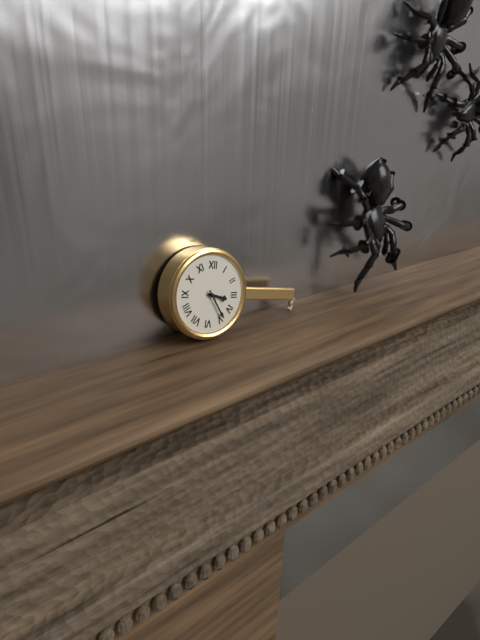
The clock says {"hour": 3, "minute": 24}
